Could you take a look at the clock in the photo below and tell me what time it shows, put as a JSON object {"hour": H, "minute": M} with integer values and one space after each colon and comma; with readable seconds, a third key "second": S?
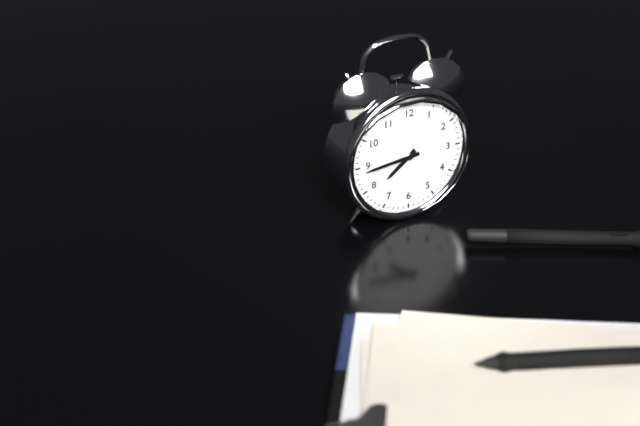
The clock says {"hour": 7, "minute": 44}
